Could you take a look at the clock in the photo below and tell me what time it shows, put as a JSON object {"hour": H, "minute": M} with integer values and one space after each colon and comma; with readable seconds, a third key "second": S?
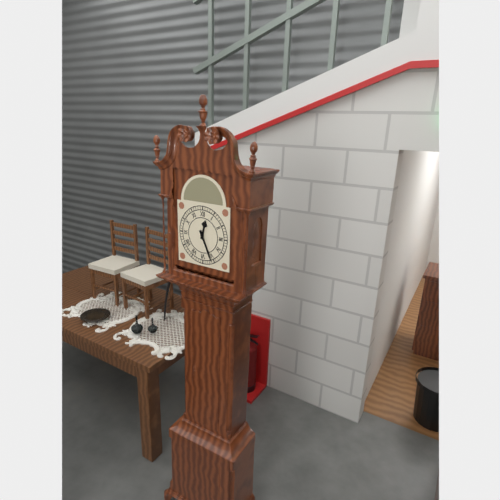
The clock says {"hour": 12, "minute": 26}
